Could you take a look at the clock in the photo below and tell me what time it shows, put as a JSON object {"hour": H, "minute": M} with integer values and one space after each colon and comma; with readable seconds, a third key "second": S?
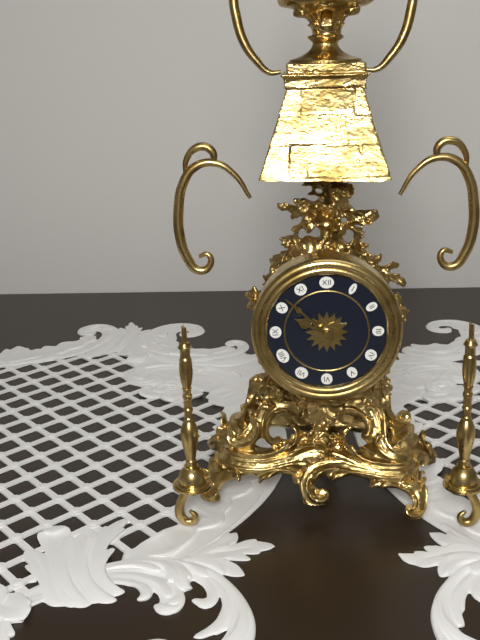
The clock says {"hour": 9, "minute": 52}
